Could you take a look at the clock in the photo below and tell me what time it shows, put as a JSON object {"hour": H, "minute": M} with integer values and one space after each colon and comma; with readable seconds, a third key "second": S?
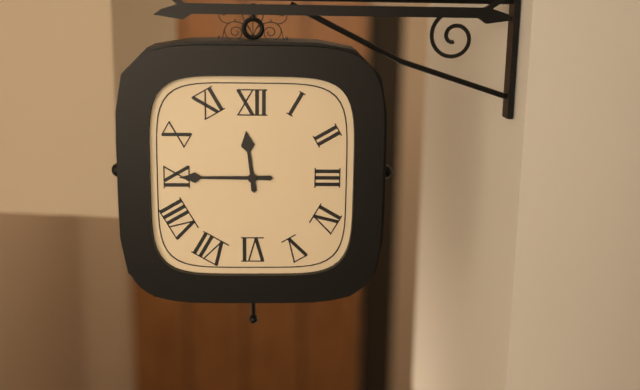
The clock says {"hour": 11, "minute": 45}
